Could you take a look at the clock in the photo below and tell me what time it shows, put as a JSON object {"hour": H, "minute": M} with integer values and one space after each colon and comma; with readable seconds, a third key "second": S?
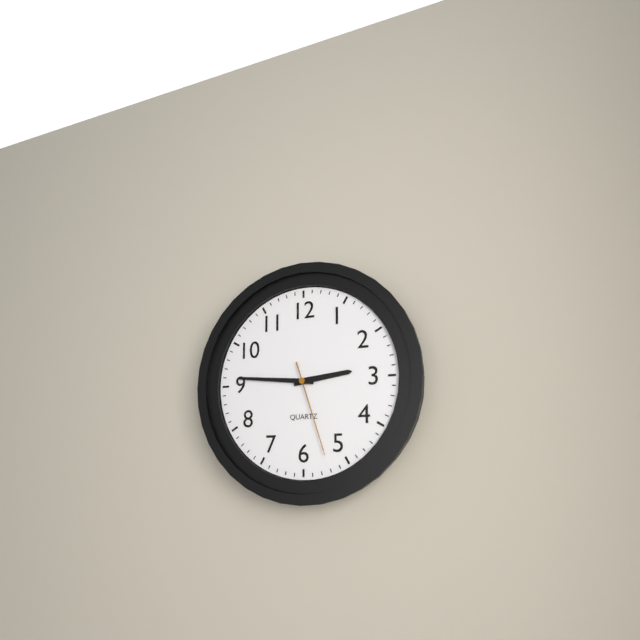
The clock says {"hour": 2, "minute": 46, "second": 27}
